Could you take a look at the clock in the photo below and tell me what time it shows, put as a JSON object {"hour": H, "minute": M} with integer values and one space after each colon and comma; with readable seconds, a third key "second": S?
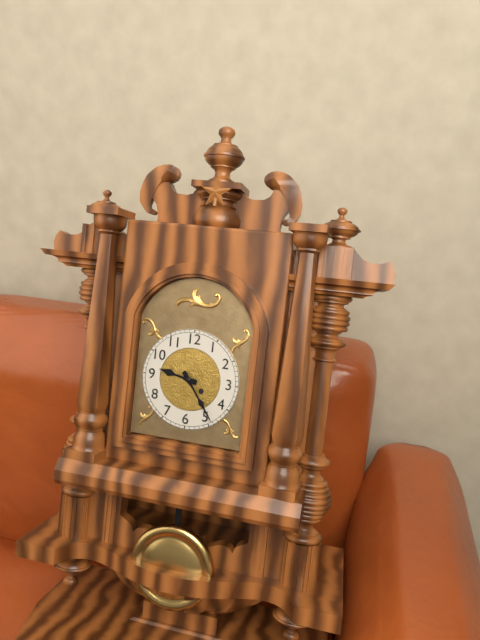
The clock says {"hour": 9, "minute": 24}
